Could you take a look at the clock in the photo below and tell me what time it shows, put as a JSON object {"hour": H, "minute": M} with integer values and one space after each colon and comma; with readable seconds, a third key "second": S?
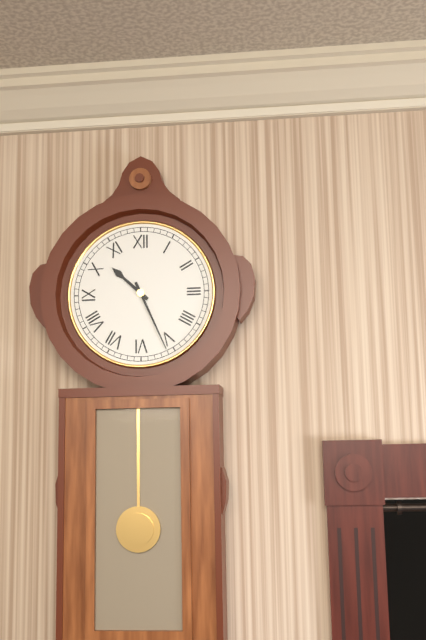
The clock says {"hour": 10, "minute": 26}
